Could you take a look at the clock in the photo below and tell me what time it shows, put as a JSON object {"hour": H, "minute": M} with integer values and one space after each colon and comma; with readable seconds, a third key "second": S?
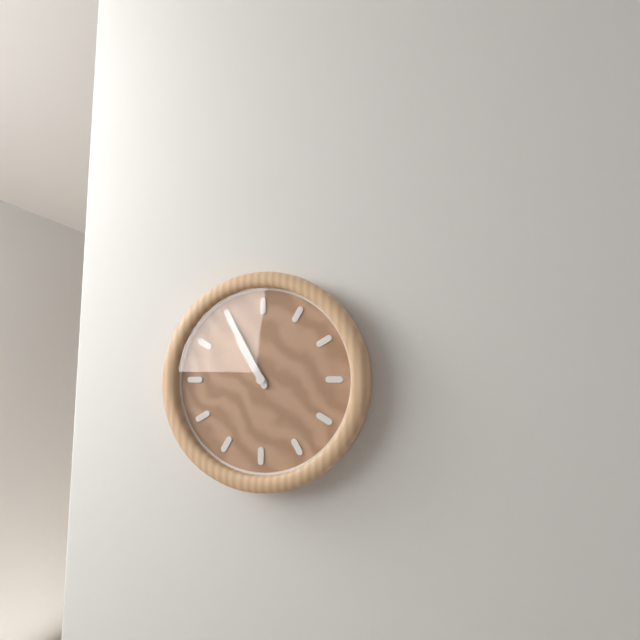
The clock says {"hour": 10, "minute": 55}
